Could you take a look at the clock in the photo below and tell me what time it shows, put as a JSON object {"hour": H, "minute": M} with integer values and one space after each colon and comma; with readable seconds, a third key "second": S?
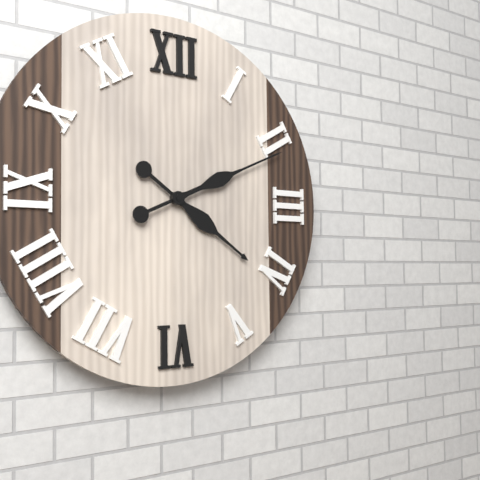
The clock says {"hour": 4, "minute": 11}
